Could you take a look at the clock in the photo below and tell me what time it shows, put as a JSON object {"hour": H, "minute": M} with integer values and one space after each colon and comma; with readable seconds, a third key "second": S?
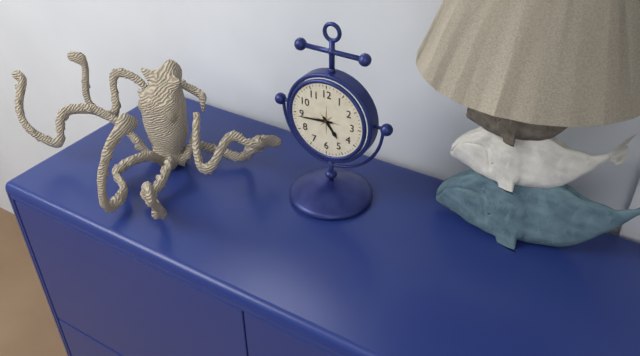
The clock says {"hour": 4, "minute": 44}
